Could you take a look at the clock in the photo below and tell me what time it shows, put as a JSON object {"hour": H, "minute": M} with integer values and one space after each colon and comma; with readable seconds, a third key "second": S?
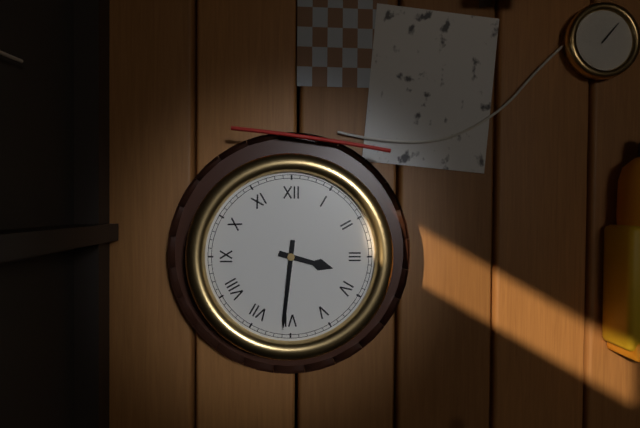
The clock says {"hour": 3, "minute": 31}
